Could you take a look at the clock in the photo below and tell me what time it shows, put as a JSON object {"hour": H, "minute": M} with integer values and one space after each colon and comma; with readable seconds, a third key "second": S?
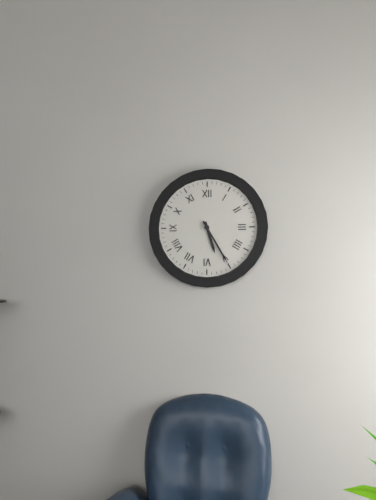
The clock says {"hour": 5, "minute": 25}
